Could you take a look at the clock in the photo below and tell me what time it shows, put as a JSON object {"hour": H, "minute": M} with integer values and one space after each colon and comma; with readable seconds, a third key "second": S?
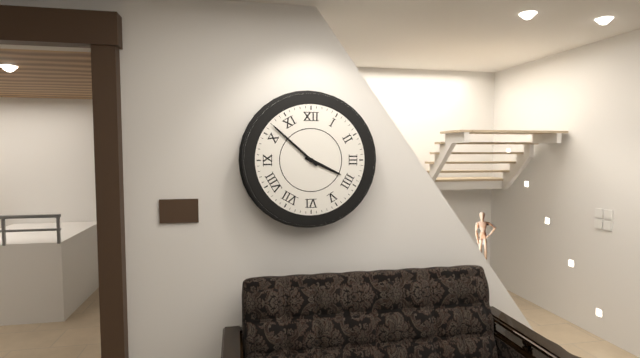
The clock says {"hour": 3, "minute": 52}
